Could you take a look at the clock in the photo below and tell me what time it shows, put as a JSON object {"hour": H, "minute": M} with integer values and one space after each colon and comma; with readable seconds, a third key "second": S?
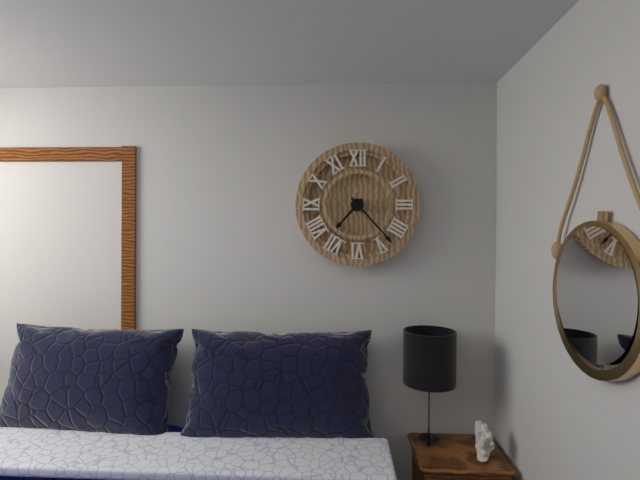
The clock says {"hour": 7, "minute": 23}
